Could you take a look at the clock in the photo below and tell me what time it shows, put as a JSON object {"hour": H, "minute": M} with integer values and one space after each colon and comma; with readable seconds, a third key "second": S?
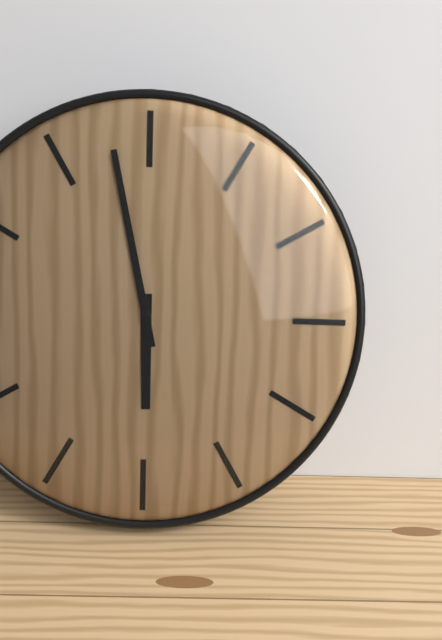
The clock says {"hour": 5, "minute": 58}
